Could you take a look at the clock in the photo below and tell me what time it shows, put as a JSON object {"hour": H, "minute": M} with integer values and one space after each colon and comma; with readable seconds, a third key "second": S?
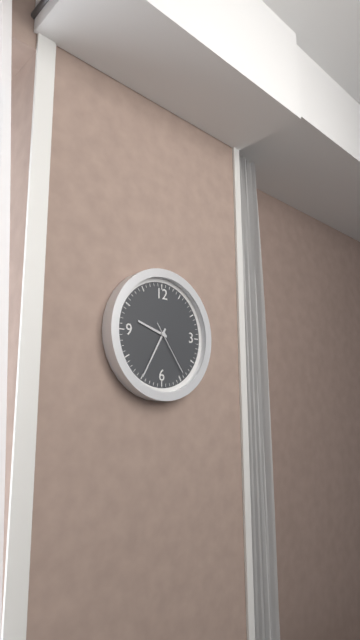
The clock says {"hour": 9, "minute": 35, "second": 24}
